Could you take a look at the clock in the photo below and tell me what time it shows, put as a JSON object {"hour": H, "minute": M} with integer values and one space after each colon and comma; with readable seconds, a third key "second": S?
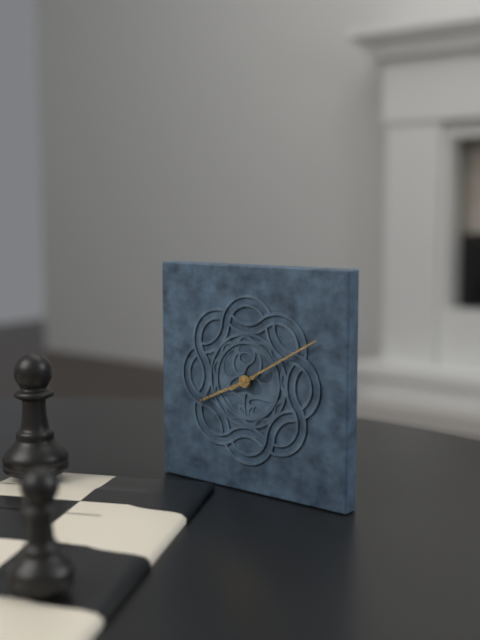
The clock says {"hour": 8, "minute": 10}
